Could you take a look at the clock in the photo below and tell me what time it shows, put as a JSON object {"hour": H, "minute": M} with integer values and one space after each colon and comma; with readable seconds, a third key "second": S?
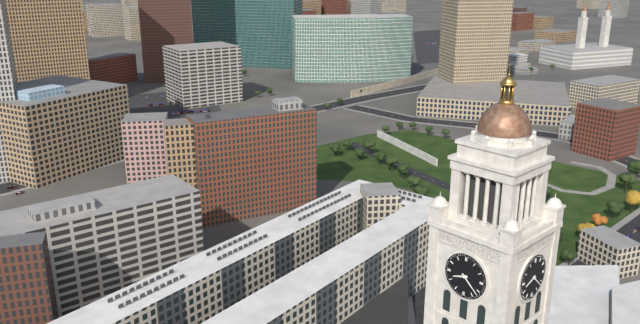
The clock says {"hour": 8, "minute": 22}
